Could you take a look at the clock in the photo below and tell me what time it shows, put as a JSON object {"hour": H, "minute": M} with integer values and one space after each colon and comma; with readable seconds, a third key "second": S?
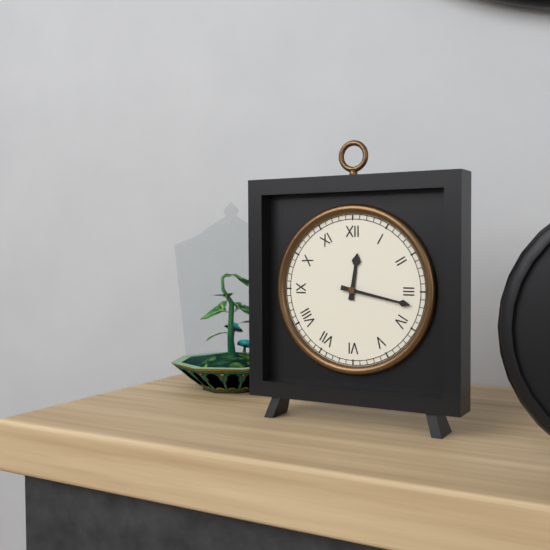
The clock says {"hour": 12, "minute": 17}
